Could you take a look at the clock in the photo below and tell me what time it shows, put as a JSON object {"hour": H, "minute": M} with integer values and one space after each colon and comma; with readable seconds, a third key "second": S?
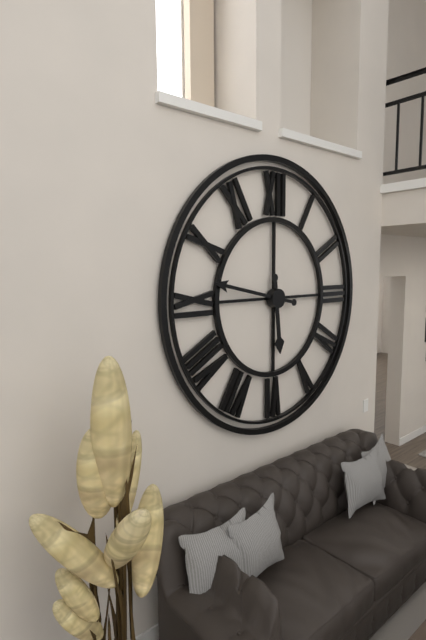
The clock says {"hour": 5, "minute": 47}
